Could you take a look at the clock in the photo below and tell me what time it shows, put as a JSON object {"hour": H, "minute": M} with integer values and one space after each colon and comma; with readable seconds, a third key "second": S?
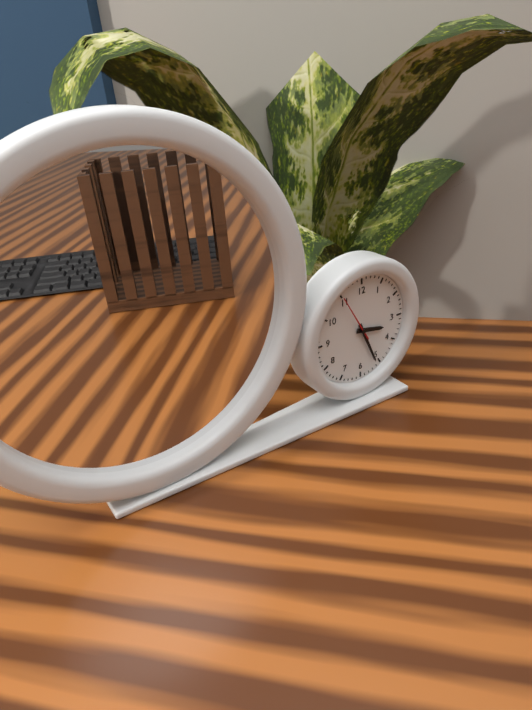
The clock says {"hour": 3, "minute": 26}
